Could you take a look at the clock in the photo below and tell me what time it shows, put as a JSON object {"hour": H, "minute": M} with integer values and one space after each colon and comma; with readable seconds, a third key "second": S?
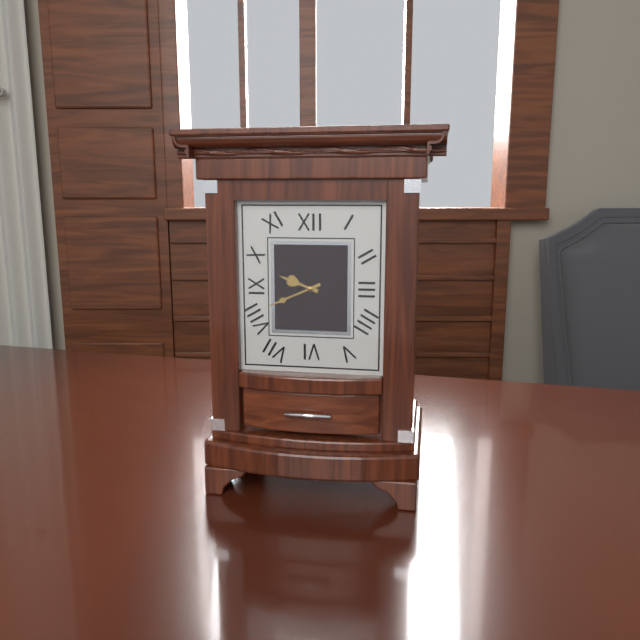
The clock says {"hour": 9, "minute": 41}
